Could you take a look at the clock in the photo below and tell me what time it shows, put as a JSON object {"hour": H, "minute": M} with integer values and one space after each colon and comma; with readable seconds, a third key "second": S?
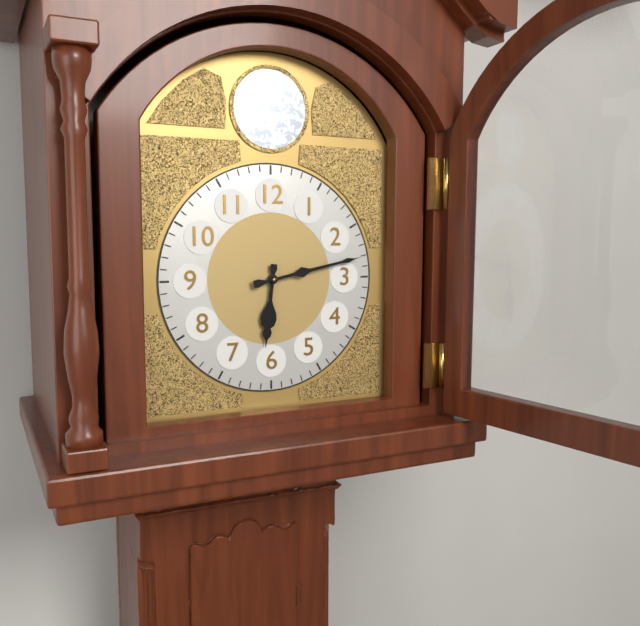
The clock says {"hour": 6, "minute": 13}
